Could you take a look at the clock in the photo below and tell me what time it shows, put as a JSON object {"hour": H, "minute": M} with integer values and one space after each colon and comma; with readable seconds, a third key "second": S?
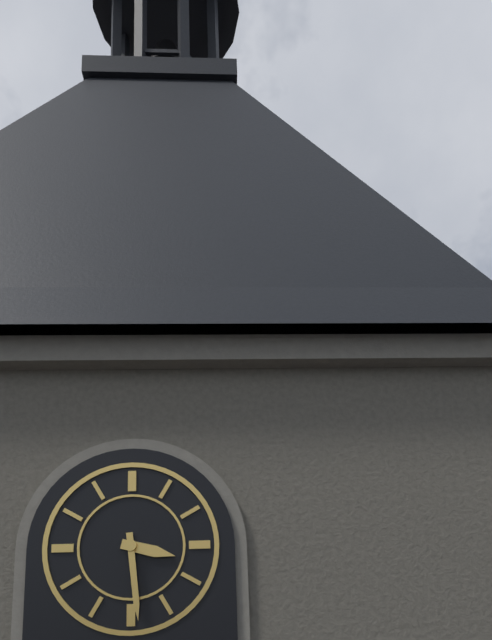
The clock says {"hour": 3, "minute": 29}
